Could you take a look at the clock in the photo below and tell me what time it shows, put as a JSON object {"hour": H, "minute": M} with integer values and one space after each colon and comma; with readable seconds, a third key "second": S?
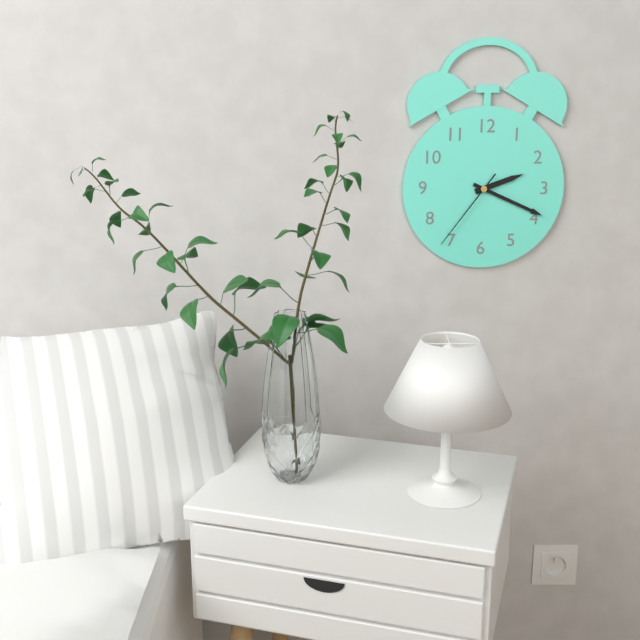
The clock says {"hour": 2, "minute": 19, "second": 36}
